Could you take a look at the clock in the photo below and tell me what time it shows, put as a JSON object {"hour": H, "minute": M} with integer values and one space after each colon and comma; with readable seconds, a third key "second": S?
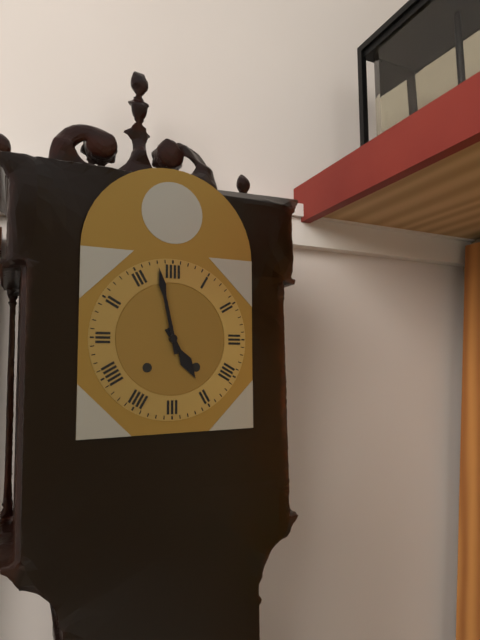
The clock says {"hour": 4, "minute": 58}
